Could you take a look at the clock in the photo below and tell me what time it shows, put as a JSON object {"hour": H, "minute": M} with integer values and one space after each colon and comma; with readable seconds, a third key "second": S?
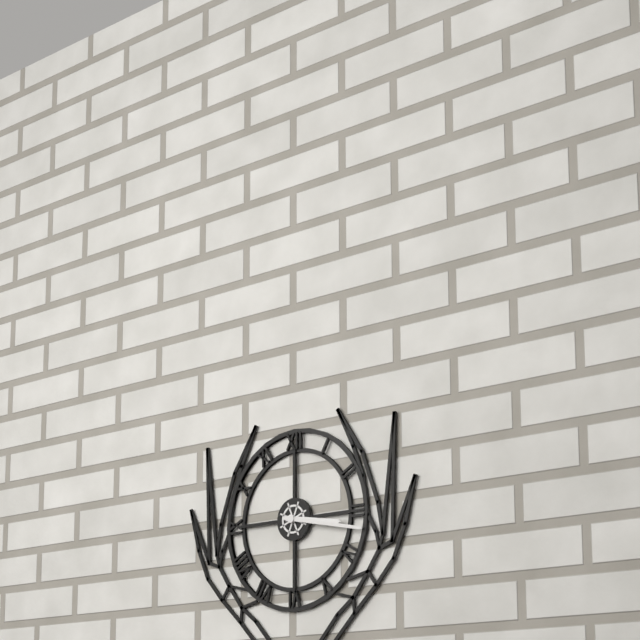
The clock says {"hour": 3, "minute": 17}
